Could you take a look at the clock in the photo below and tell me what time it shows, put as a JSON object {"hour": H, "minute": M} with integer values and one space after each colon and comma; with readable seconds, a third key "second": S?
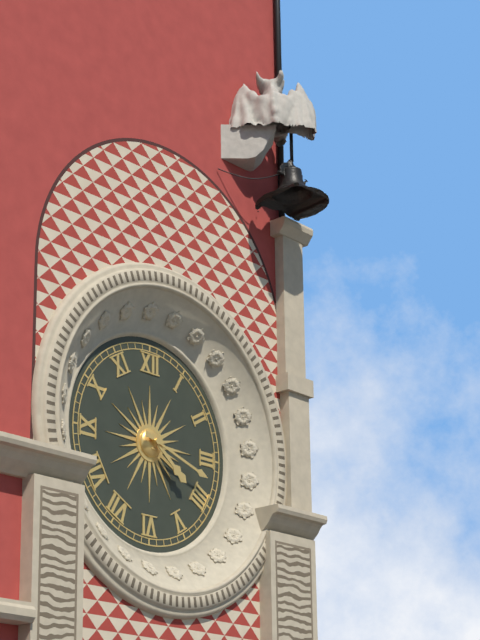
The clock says {"hour": 4, "minute": 18}
